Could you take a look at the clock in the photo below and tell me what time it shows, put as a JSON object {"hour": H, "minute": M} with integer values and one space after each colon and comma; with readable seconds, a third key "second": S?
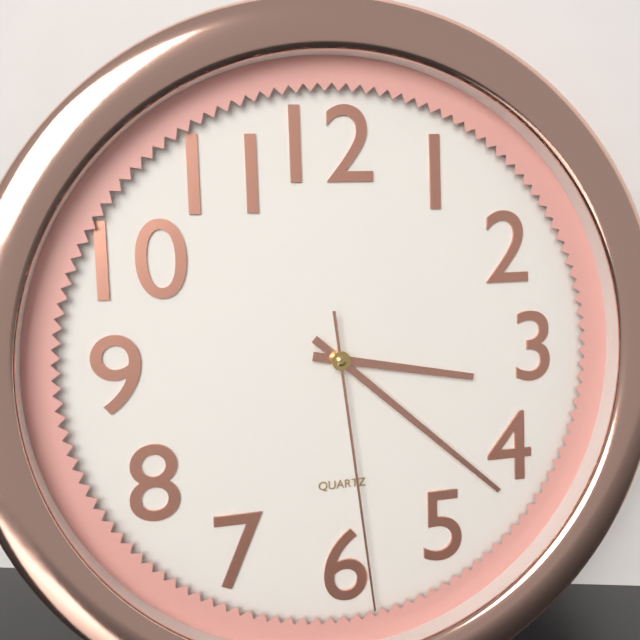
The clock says {"hour": 3, "minute": 22, "second": 29}
